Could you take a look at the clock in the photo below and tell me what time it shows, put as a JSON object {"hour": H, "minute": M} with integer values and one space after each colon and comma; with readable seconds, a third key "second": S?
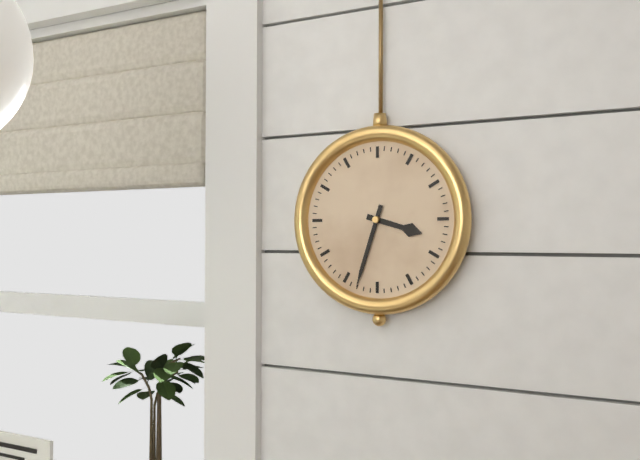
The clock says {"hour": 3, "minute": 33}
